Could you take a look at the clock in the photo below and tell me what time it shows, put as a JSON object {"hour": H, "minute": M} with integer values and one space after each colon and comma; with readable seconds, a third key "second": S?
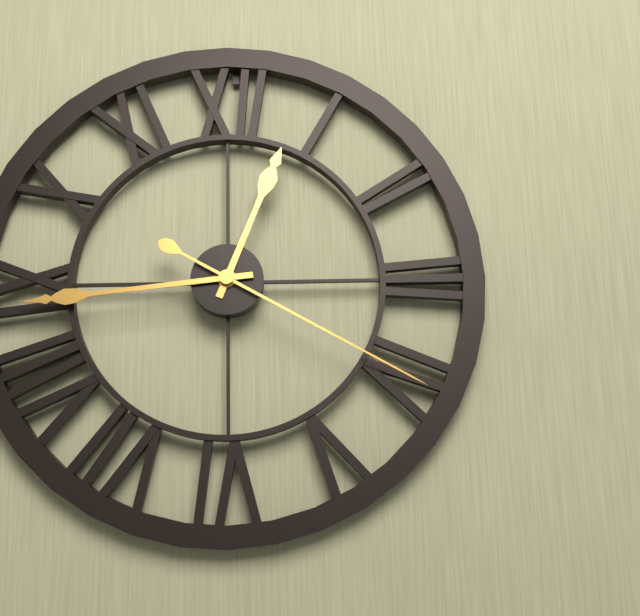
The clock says {"hour": 12, "minute": 44, "second": 20}
